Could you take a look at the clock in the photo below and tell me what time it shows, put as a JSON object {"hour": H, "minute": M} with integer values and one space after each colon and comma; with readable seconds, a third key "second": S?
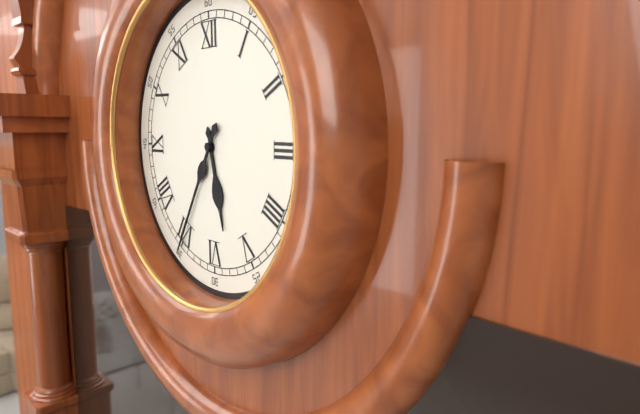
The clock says {"hour": 5, "minute": 35}
